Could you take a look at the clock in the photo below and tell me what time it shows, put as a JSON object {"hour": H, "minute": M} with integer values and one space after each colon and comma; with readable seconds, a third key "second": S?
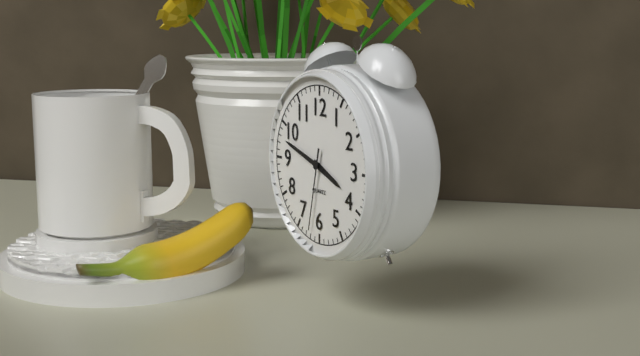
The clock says {"hour": 3, "minute": 48, "second": 32}
